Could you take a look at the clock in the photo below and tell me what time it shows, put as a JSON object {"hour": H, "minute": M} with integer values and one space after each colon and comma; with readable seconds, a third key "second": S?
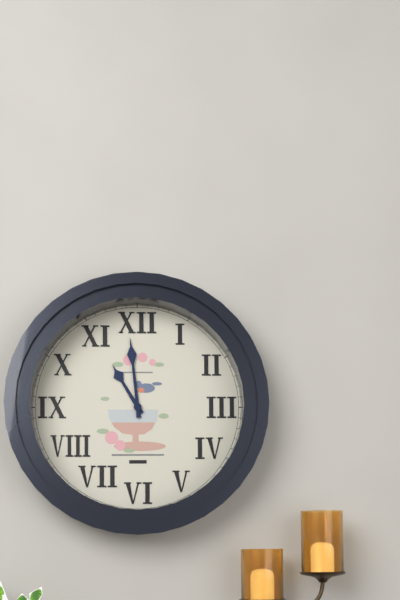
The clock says {"hour": 10, "minute": 59}
